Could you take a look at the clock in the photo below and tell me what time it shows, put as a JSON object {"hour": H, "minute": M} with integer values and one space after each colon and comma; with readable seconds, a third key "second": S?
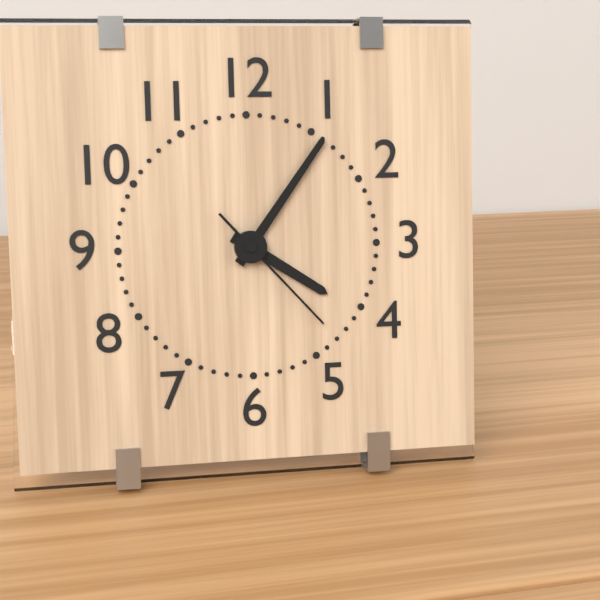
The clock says {"hour": 4, "minute": 6, "second": 23}
